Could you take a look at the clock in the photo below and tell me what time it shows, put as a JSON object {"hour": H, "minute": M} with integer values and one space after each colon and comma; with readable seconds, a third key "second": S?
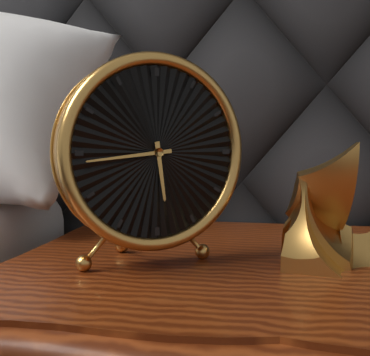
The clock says {"hour": 5, "minute": 44}
